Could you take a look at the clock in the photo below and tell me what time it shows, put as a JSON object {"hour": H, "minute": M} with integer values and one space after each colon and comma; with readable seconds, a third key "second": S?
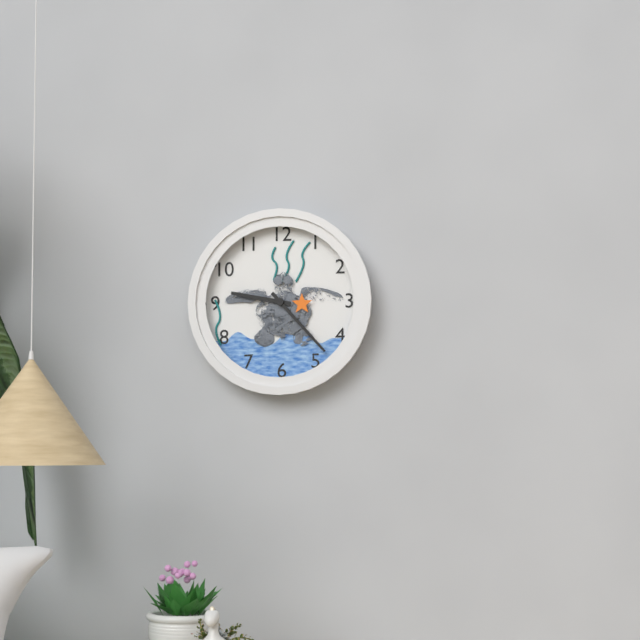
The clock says {"hour": 9, "minute": 23}
